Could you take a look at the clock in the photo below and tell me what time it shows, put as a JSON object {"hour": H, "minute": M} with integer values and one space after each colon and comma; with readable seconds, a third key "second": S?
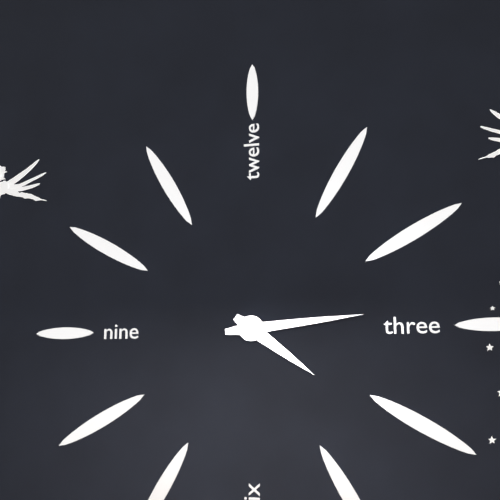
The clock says {"hour": 4, "minute": 14}
